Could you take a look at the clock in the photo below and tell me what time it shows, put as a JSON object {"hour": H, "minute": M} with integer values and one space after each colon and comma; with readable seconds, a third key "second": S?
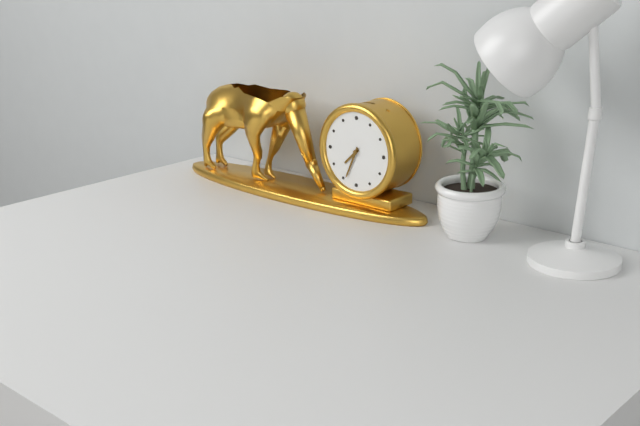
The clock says {"hour": 7, "minute": 34}
